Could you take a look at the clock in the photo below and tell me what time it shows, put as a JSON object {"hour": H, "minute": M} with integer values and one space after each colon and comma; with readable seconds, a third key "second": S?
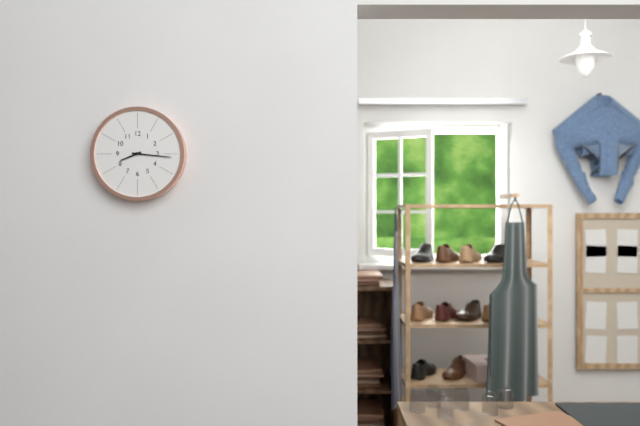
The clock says {"hour": 8, "minute": 16}
